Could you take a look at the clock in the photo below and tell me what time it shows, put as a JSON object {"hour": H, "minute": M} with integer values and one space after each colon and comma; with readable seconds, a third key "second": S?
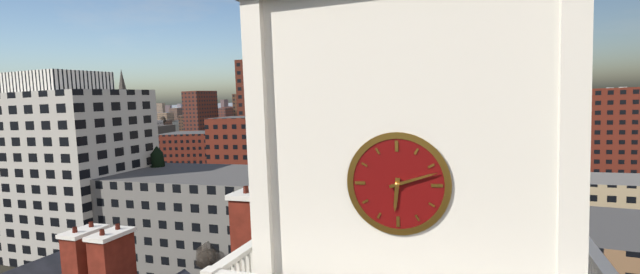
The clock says {"hour": 6, "minute": 12}
